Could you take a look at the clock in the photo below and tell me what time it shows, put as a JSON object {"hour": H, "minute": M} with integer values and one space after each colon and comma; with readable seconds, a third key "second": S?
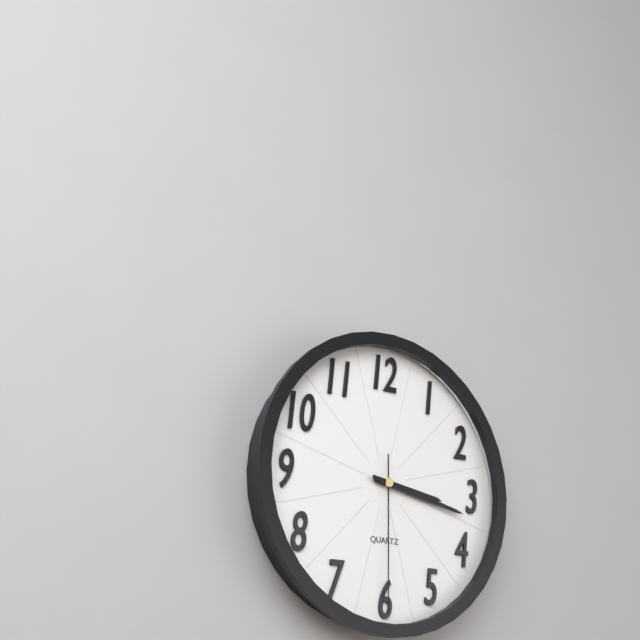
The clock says {"hour": 3, "minute": 17, "second": 30}
